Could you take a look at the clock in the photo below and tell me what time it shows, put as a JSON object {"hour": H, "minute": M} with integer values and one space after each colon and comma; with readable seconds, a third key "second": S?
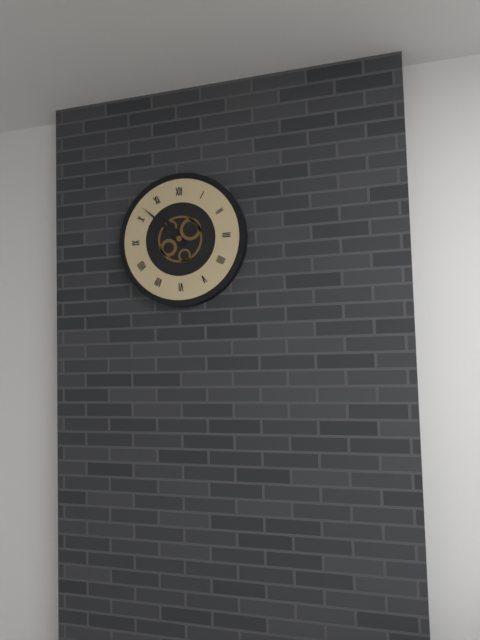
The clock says {"hour": 10, "minute": 52}
